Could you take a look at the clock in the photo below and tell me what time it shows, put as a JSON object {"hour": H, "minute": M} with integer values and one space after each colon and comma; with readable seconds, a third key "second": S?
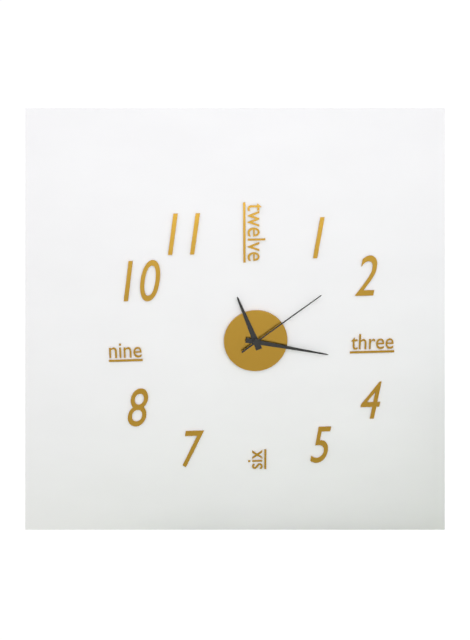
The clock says {"hour": 11, "minute": 17, "second": 9}
